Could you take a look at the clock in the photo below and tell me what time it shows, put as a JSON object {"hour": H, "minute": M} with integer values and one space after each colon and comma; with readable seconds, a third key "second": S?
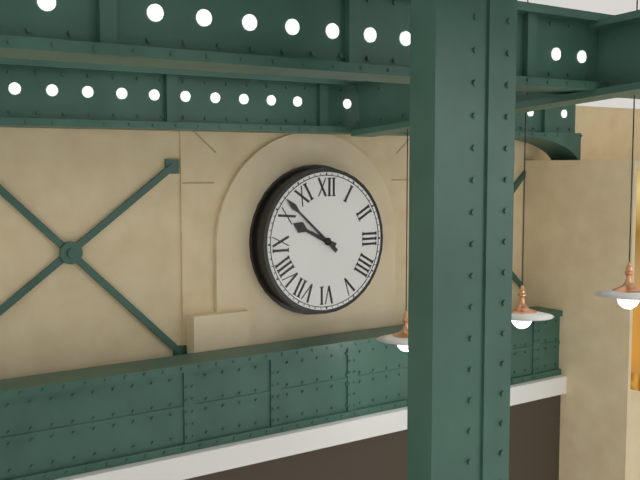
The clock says {"hour": 9, "minute": 52}
